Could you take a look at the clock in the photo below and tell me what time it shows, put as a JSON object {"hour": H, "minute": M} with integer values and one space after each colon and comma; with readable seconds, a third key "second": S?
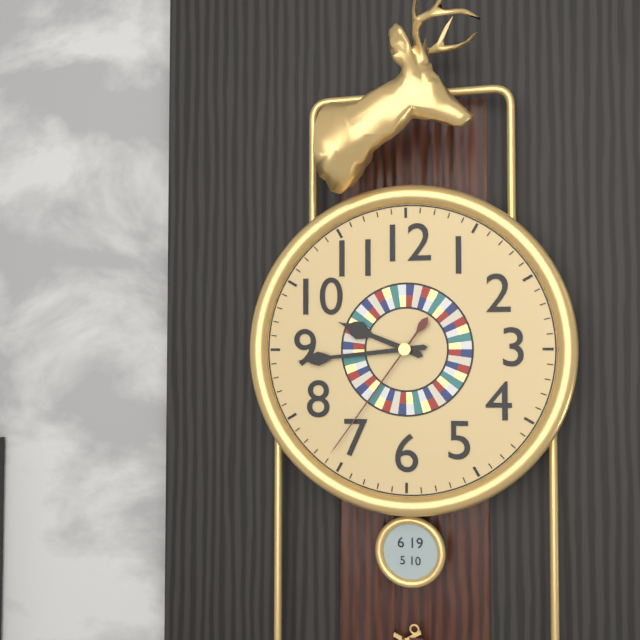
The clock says {"hour": 9, "minute": 44, "second": 36}
